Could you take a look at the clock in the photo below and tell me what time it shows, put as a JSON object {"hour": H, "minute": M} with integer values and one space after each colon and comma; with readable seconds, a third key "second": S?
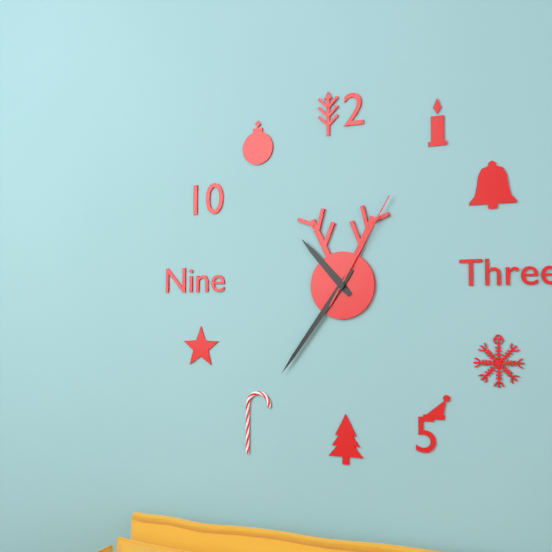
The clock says {"hour": 10, "minute": 36, "second": 5}
